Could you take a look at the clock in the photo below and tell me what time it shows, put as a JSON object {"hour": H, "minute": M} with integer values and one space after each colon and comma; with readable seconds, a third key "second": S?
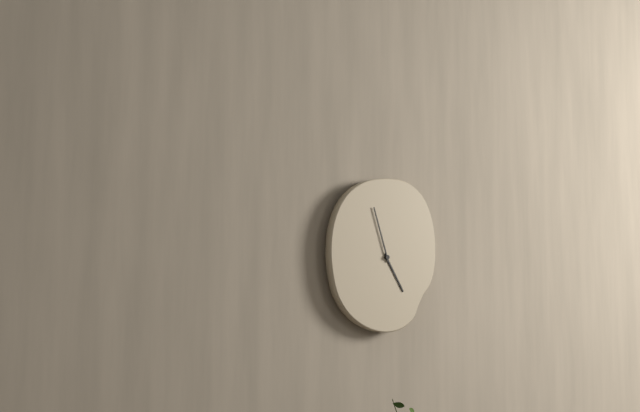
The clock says {"hour": 4, "minute": 57}
